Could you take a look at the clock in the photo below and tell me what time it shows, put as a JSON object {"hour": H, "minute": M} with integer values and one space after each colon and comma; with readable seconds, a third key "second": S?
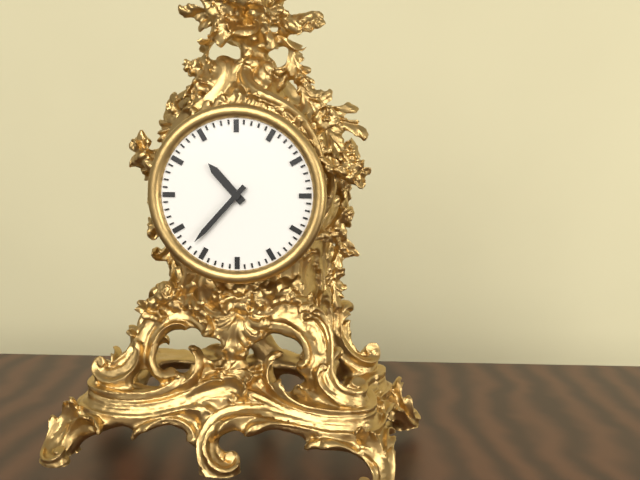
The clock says {"hour": 10, "minute": 37}
